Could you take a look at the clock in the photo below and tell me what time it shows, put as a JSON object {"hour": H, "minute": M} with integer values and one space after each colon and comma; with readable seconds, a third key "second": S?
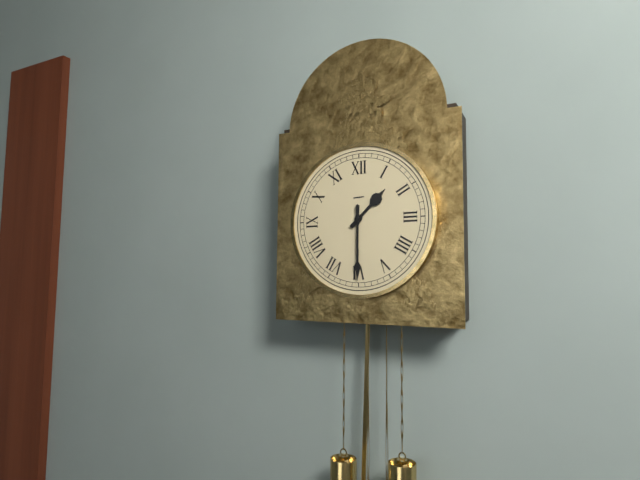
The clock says {"hour": 1, "minute": 30}
